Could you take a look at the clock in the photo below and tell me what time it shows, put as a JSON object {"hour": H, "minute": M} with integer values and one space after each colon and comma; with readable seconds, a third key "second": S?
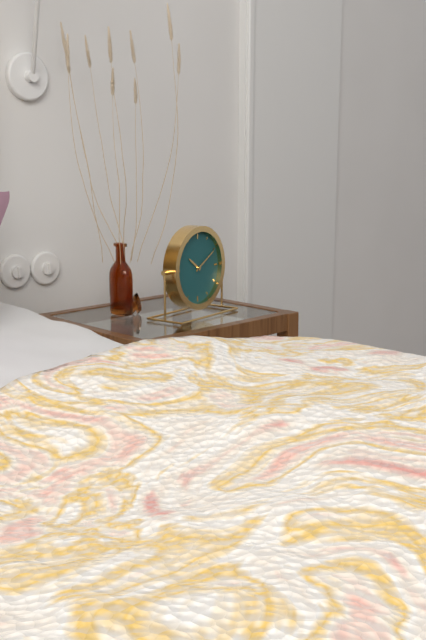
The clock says {"hour": 10, "minute": 10}
